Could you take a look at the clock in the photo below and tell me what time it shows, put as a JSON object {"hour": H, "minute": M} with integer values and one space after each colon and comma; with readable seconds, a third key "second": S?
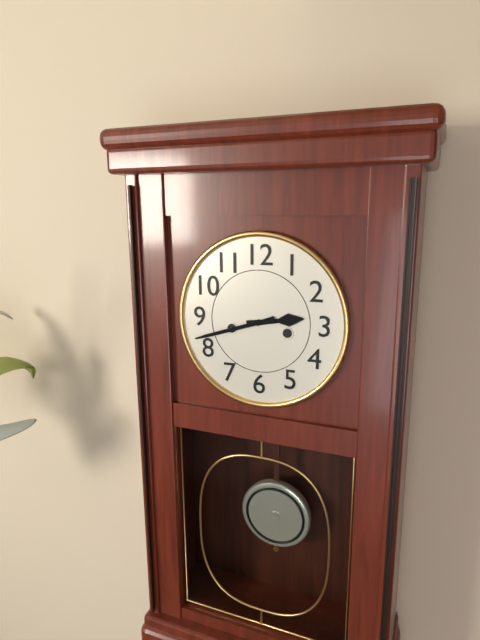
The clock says {"hour": 2, "minute": 42}
